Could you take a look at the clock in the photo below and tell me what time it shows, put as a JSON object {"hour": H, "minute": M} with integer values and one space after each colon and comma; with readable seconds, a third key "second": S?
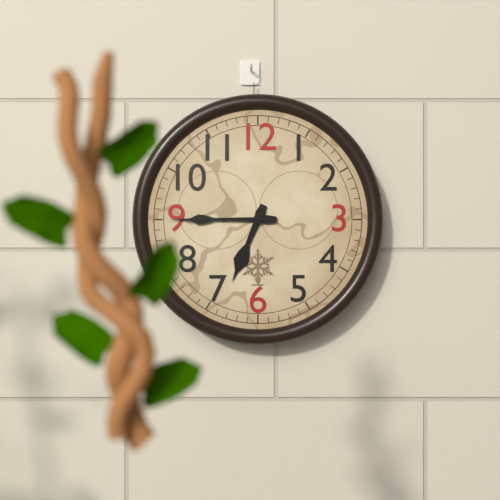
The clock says {"hour": 6, "minute": 45}
